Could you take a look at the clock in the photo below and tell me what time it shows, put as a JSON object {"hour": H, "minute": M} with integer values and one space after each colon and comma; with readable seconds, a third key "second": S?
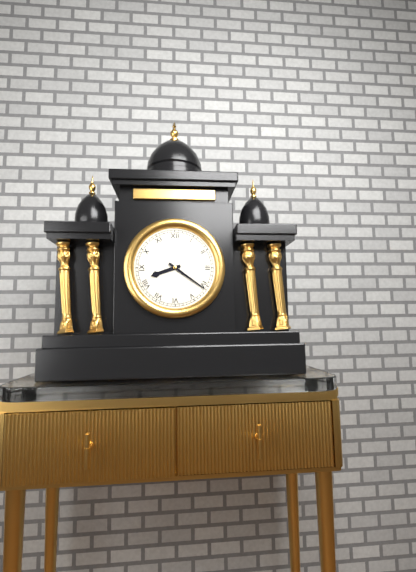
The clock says {"hour": 8, "minute": 21}
